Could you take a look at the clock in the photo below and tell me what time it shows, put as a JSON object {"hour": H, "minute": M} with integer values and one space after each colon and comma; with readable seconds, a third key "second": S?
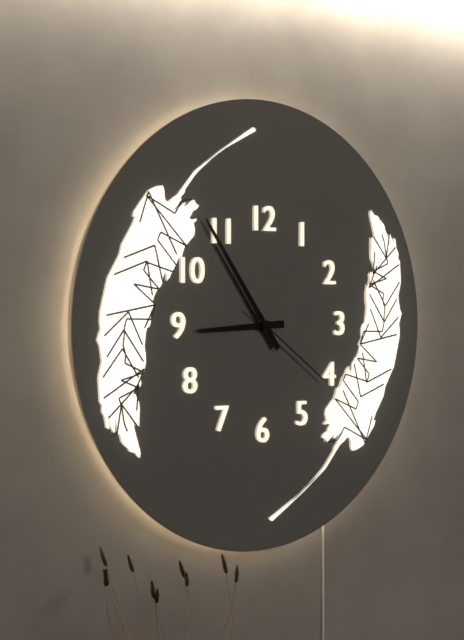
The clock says {"hour": 8, "minute": 54, "second": 21}
